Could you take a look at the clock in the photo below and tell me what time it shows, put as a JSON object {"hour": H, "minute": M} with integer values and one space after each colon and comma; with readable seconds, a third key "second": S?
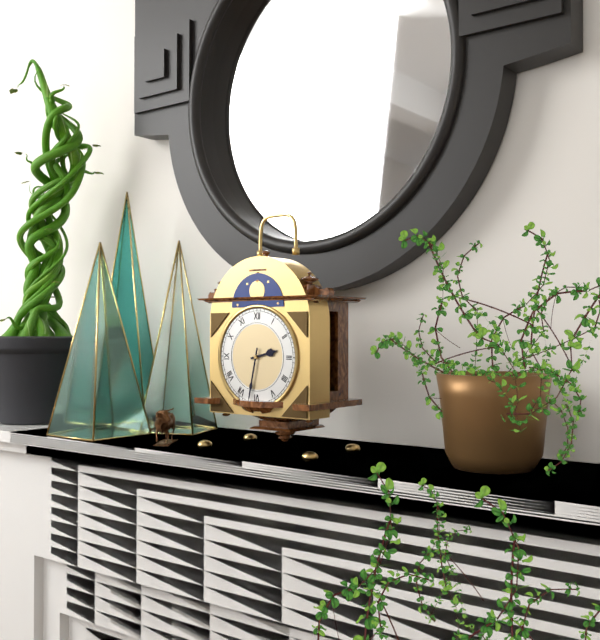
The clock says {"hour": 2, "minute": 32}
